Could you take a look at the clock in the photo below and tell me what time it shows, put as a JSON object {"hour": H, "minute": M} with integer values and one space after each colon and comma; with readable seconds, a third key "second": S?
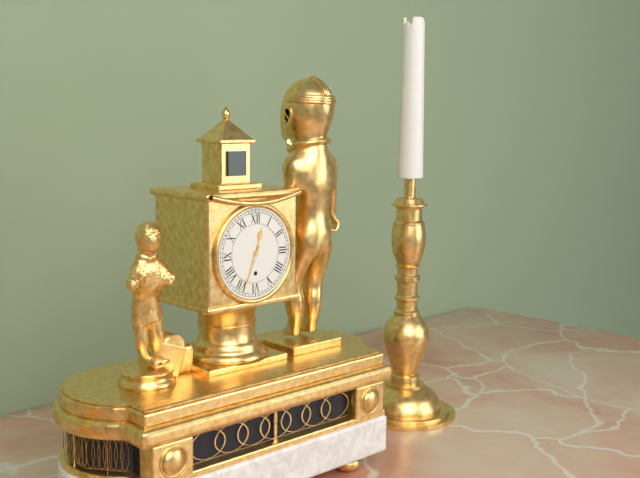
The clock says {"hour": 12, "minute": 34}
